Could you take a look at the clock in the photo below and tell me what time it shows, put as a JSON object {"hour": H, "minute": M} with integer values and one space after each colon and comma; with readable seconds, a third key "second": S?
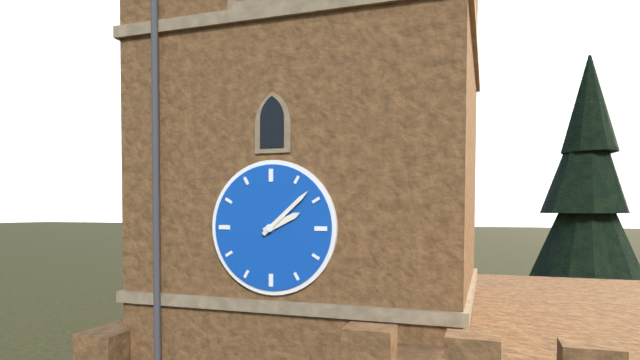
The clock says {"hour": 2, "minute": 8}
